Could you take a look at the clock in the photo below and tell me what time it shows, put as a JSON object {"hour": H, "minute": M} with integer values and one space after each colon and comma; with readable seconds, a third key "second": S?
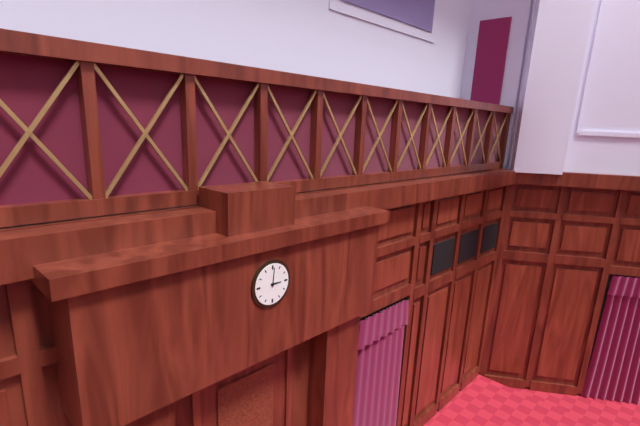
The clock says {"hour": 3, "minute": 1}
